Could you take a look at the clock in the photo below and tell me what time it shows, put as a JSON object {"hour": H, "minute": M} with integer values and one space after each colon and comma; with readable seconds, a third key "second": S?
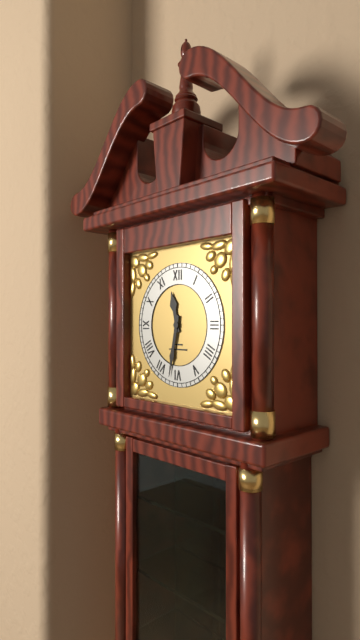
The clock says {"hour": 11, "minute": 32}
